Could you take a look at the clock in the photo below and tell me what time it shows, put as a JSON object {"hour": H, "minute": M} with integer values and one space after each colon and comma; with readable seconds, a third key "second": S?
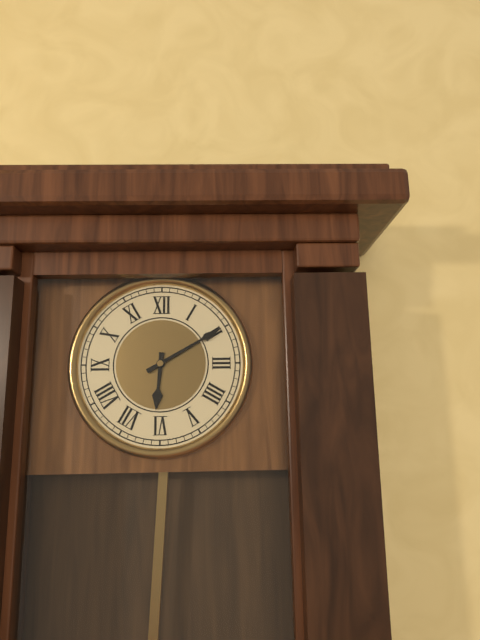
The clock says {"hour": 6, "minute": 10}
